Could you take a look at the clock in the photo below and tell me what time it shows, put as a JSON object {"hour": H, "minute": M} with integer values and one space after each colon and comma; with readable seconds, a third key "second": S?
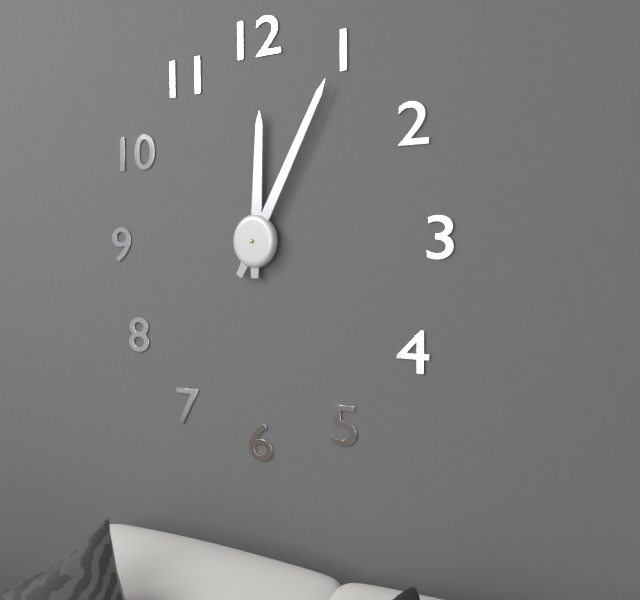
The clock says {"hour": 12, "minute": 5}
